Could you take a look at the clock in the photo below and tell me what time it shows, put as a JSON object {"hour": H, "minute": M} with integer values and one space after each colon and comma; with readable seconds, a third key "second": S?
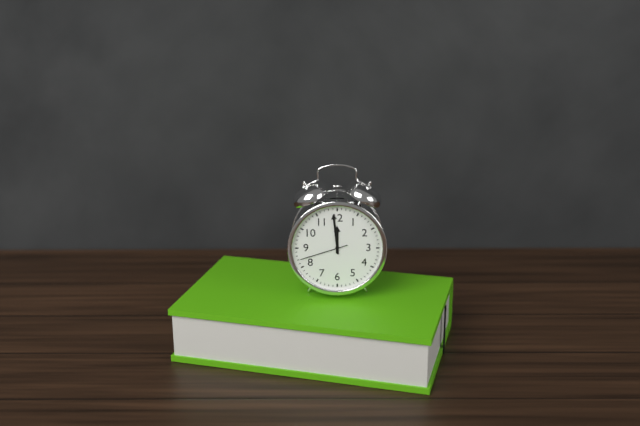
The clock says {"hour": 11, "minute": 59}
